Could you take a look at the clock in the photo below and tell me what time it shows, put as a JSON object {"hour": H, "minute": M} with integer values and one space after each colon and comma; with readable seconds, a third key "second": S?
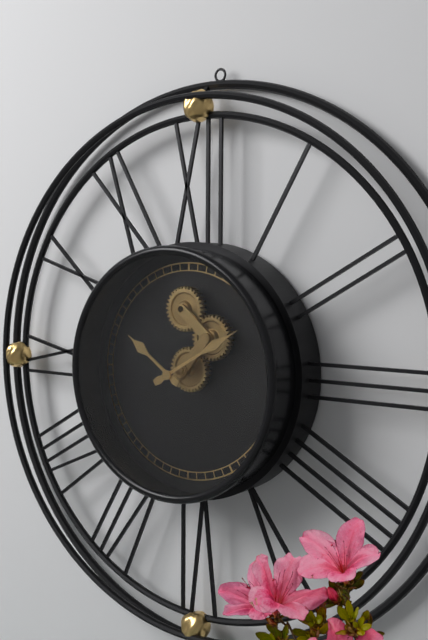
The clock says {"hour": 10, "minute": 10}
